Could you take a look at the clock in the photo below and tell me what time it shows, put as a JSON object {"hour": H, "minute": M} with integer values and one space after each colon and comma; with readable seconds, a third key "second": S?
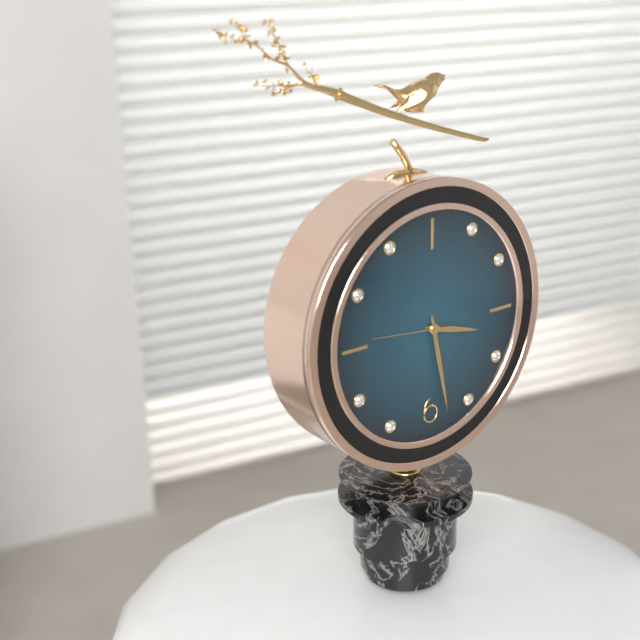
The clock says {"hour": 3, "minute": 28}
